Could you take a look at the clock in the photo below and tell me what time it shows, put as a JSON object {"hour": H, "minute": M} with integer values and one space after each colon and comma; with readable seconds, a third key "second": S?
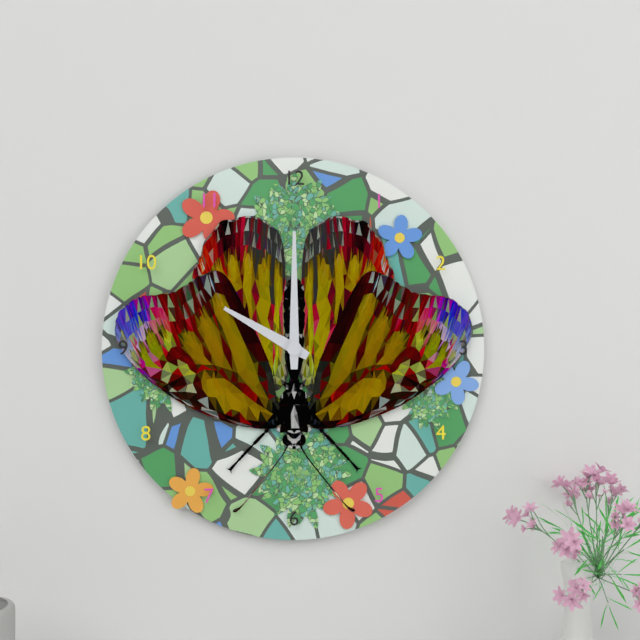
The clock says {"hour": 10, "minute": 0}
